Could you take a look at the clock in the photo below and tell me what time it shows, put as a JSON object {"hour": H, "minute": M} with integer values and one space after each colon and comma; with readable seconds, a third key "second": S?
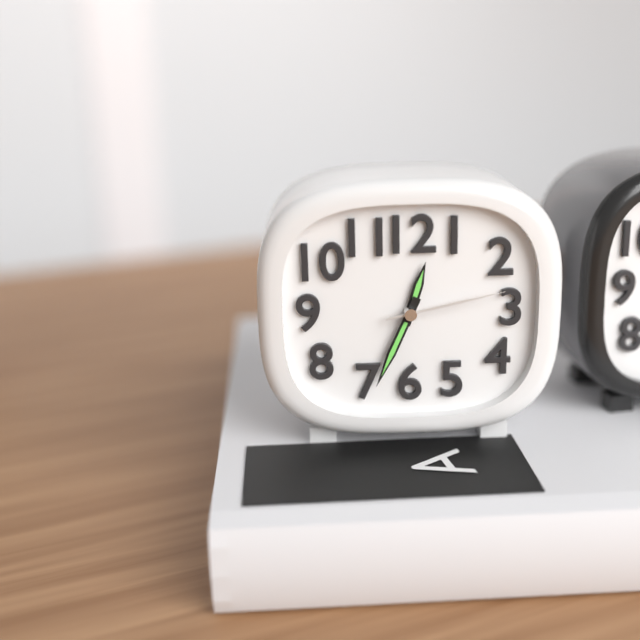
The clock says {"hour": 12, "minute": 34, "second": 13}
